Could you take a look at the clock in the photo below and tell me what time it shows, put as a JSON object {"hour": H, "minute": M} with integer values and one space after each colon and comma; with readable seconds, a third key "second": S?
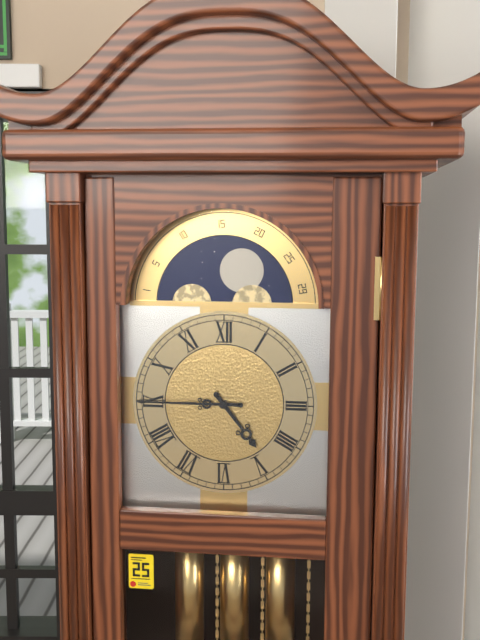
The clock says {"hour": 4, "minute": 45}
